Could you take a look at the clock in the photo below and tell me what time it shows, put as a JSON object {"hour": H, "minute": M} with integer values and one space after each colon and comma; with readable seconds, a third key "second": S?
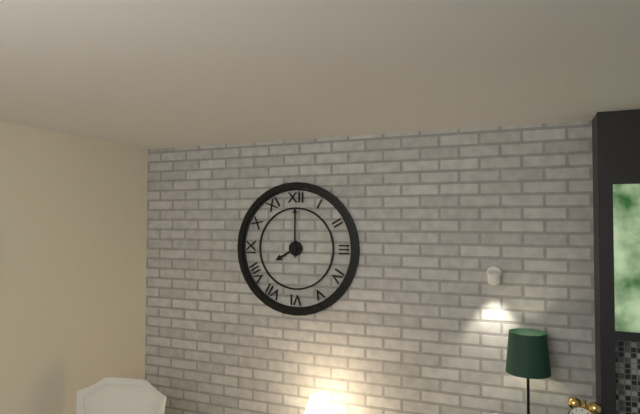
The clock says {"hour": 8, "minute": 0}
